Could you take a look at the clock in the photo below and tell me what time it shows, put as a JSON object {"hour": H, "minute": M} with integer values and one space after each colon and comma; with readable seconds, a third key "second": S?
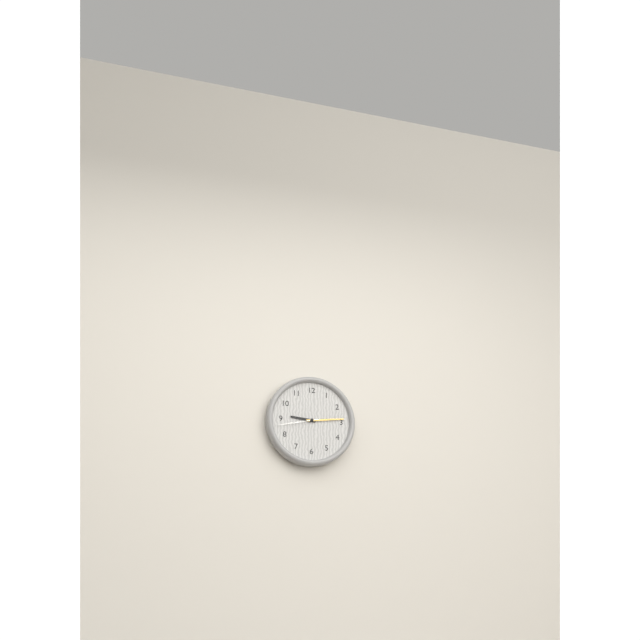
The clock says {"hour": 9, "minute": 14}
